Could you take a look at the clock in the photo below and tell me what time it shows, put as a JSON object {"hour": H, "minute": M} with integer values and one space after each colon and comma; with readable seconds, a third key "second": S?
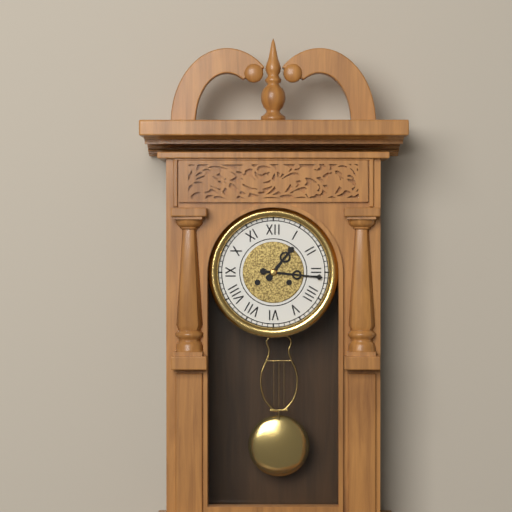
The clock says {"hour": 1, "minute": 16}
